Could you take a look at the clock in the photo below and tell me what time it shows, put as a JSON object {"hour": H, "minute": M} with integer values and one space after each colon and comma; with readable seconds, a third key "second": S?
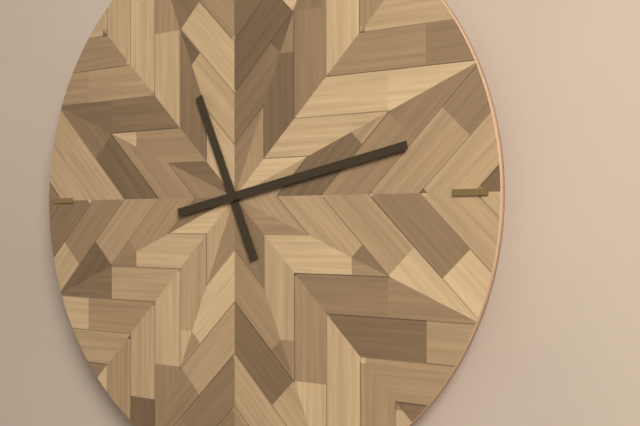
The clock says {"hour": 11, "minute": 13}
